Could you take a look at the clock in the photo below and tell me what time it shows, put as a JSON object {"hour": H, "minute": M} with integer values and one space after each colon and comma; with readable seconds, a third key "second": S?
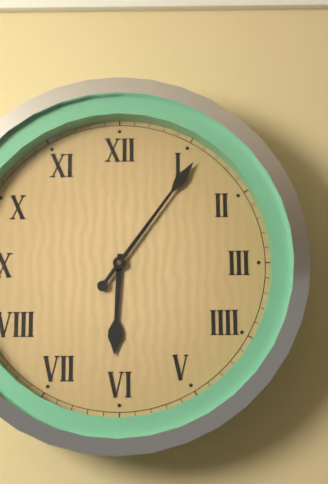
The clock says {"hour": 6, "minute": 6}
